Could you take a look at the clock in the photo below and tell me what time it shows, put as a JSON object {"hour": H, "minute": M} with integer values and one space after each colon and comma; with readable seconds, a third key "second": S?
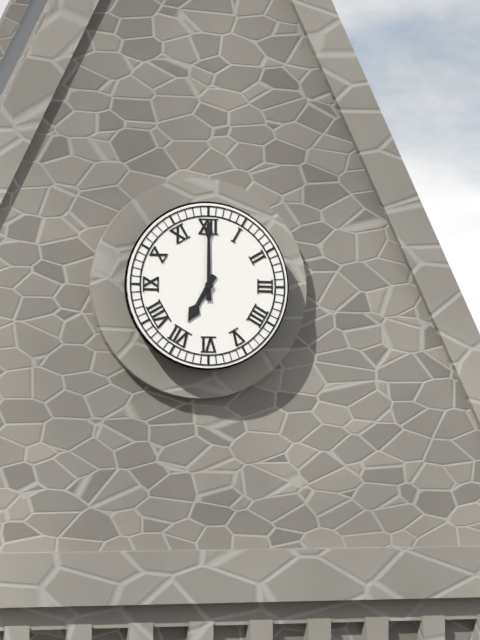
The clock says {"hour": 7, "minute": 0}
